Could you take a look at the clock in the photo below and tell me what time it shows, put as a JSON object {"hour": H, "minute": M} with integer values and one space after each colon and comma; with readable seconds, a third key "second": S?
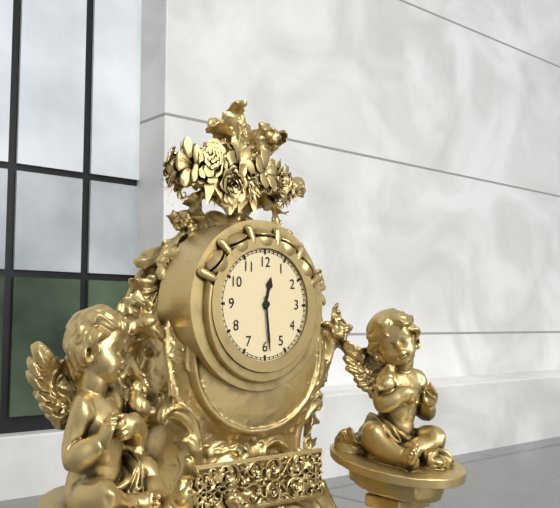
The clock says {"hour": 12, "minute": 29}
